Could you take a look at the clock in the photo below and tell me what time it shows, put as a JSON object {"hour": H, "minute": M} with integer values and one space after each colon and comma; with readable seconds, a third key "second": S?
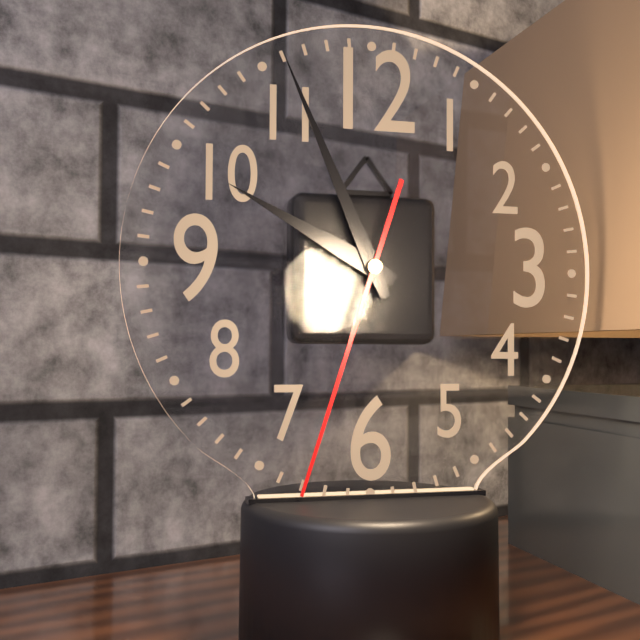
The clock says {"hour": 9, "minute": 56, "second": 33}
